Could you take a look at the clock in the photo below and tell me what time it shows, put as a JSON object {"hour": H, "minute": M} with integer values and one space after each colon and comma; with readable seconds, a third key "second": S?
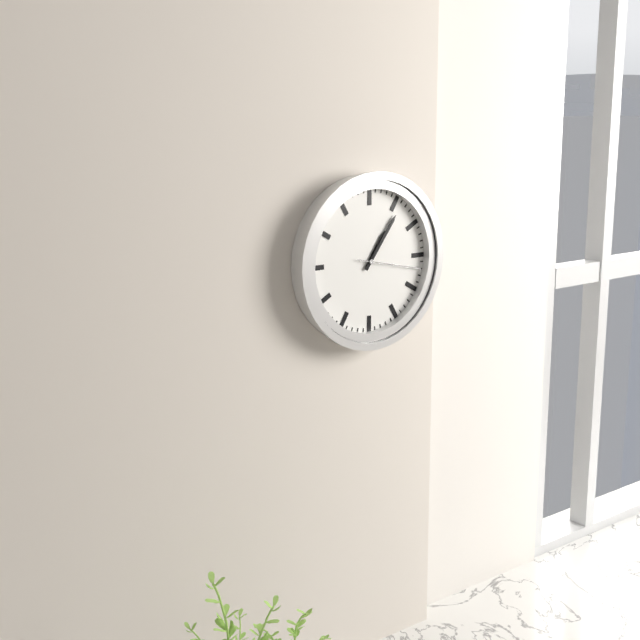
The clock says {"hour": 1, "minute": 6, "second": 17}
